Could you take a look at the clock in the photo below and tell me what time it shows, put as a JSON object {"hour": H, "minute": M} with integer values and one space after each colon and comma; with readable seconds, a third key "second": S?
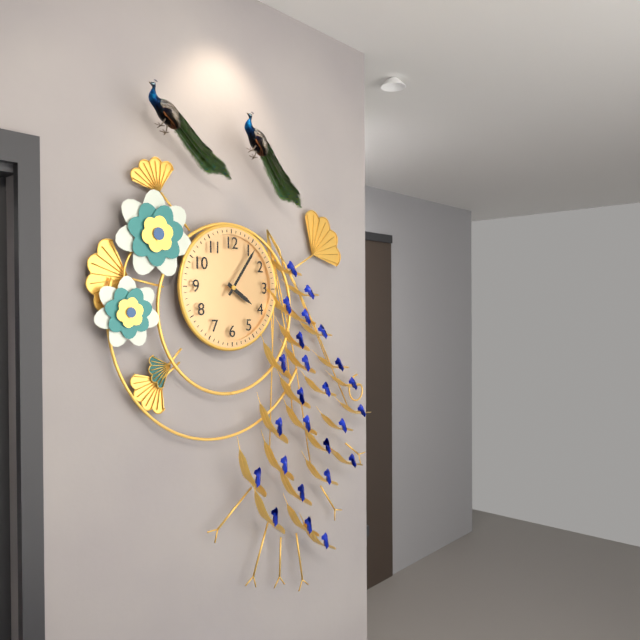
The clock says {"hour": 4, "minute": 6}
